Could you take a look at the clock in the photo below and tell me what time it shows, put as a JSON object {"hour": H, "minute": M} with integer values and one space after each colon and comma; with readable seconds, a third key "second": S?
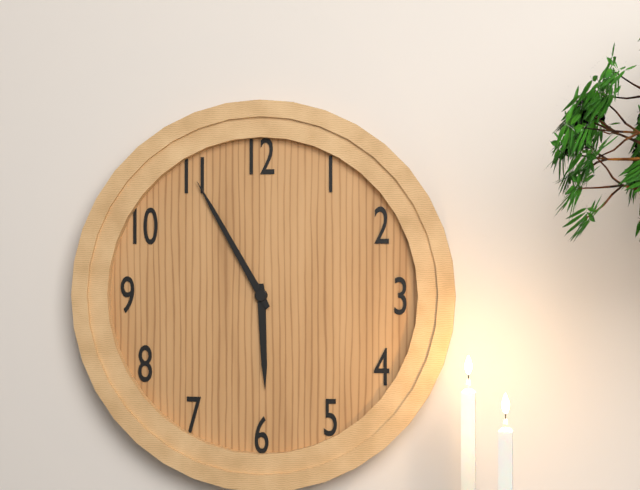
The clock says {"hour": 5, "minute": 55}
